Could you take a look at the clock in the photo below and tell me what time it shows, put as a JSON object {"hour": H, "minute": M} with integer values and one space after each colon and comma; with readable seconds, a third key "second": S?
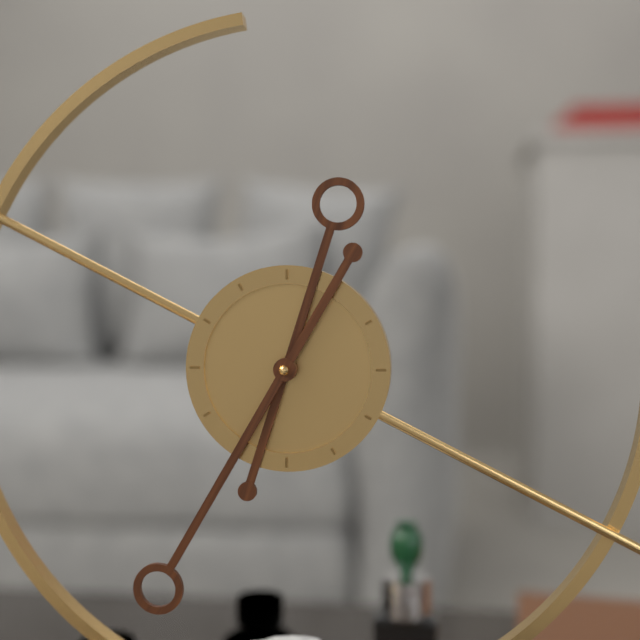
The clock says {"hour": 12, "minute": 35}
